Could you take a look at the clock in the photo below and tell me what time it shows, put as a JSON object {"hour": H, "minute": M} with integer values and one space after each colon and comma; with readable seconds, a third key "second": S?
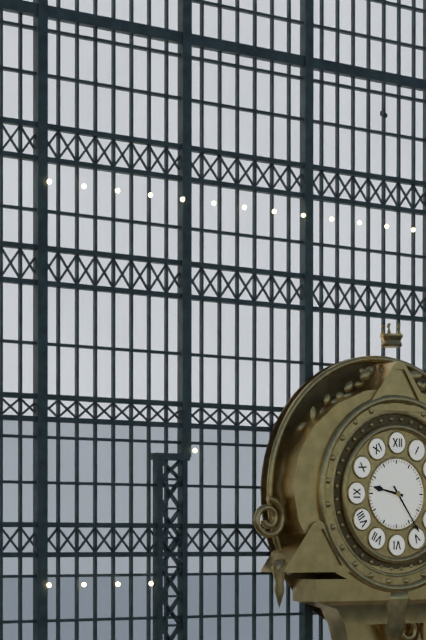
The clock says {"hour": 9, "minute": 24}
